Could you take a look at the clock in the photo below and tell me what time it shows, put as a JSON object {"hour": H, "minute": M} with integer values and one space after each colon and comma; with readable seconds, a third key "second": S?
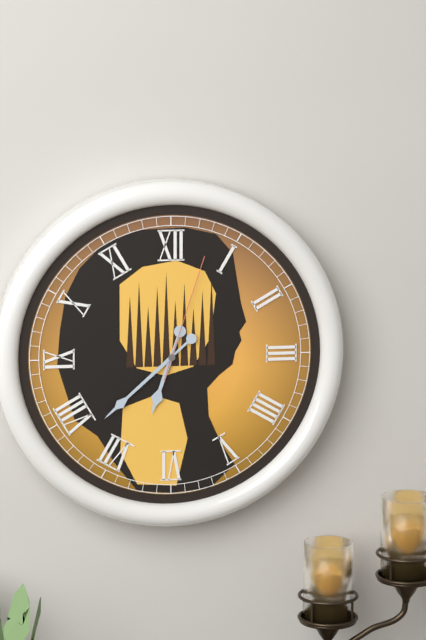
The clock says {"hour": 6, "minute": 38, "second": 3}
